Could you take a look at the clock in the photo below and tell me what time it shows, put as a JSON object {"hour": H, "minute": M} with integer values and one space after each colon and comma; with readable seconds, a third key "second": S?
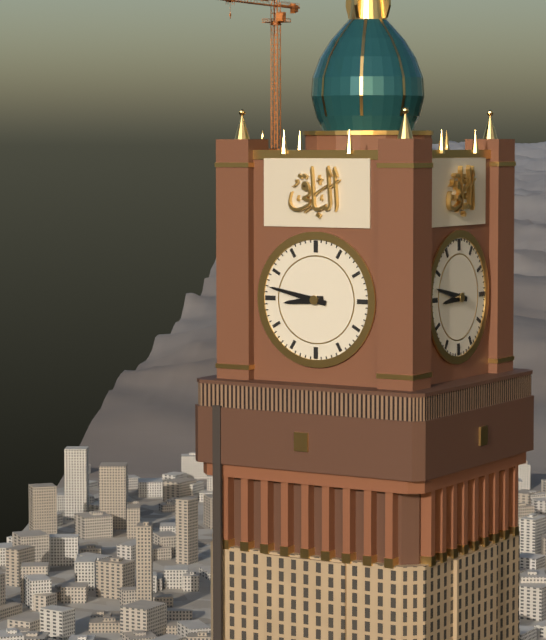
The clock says {"hour": 8, "minute": 47}
